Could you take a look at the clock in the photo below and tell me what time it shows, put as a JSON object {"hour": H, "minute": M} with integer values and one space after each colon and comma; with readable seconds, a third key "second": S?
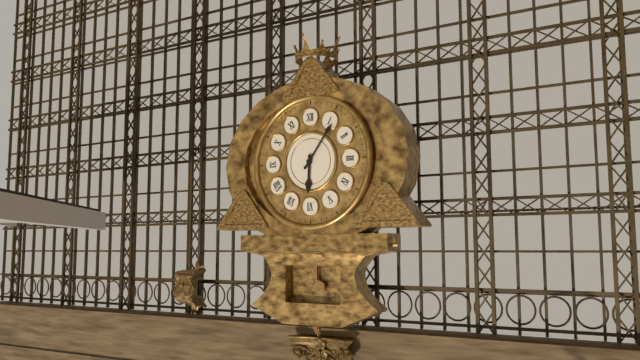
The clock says {"hour": 6, "minute": 6}
